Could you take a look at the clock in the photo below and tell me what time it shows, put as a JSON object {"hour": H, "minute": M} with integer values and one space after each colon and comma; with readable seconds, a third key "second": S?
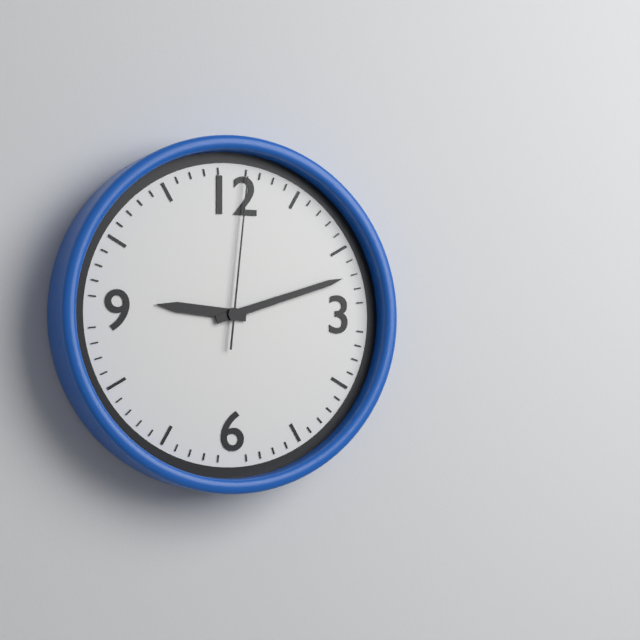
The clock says {"hour": 9, "minute": 12, "second": 1}
